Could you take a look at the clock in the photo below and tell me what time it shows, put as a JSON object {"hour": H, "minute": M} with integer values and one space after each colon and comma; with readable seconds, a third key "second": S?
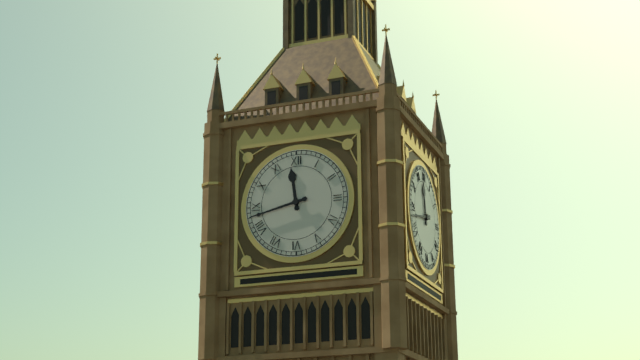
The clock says {"hour": 11, "minute": 43}
